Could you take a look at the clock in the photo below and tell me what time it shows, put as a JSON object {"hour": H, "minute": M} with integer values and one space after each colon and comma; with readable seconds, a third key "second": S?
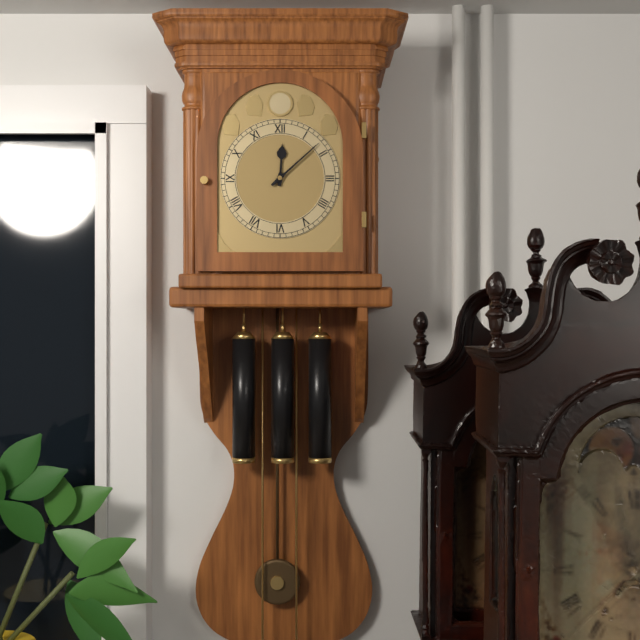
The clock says {"hour": 12, "minute": 8}
